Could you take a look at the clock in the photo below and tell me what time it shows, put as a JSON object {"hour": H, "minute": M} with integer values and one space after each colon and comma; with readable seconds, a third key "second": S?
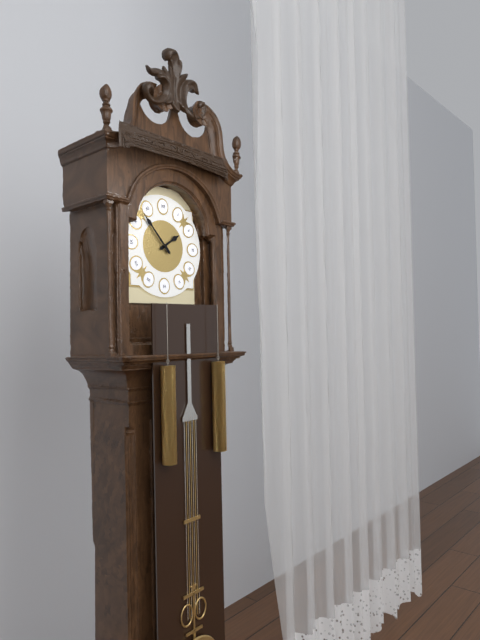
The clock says {"hour": 1, "minute": 53}
